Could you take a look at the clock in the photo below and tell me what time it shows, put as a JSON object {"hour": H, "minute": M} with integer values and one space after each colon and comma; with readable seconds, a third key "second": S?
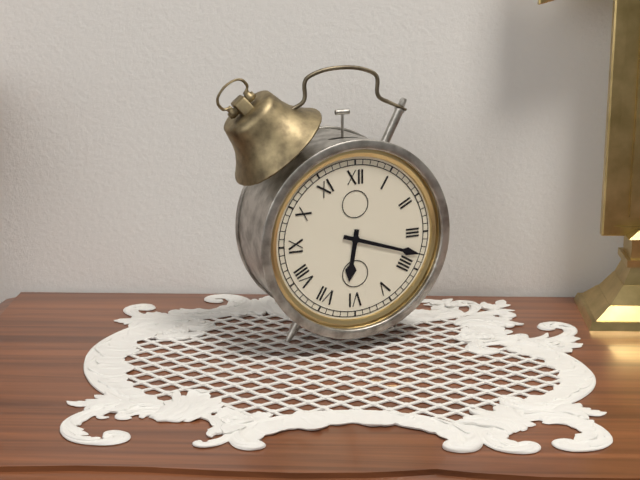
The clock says {"hour": 6, "minute": 18}
